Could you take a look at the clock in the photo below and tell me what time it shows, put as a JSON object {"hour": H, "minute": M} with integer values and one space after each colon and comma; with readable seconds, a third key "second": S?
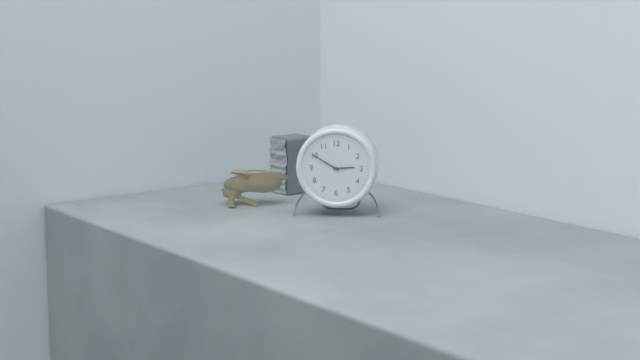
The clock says {"hour": 2, "minute": 50}
